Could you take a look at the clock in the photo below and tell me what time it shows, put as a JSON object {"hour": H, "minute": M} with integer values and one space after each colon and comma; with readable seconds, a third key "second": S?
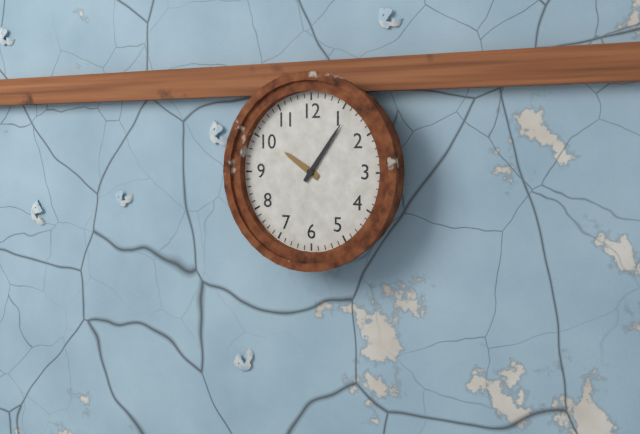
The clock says {"hour": 10, "minute": 6}
